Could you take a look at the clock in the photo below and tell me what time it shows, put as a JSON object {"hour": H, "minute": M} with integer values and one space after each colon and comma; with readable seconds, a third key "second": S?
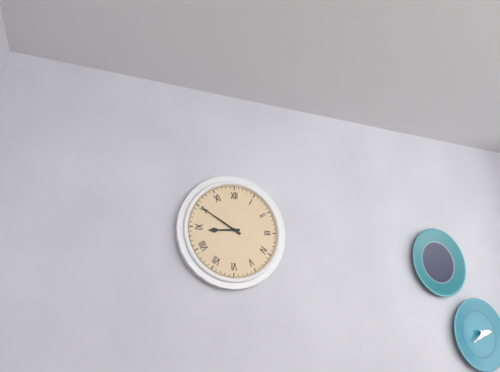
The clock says {"hour": 8, "minute": 50}
